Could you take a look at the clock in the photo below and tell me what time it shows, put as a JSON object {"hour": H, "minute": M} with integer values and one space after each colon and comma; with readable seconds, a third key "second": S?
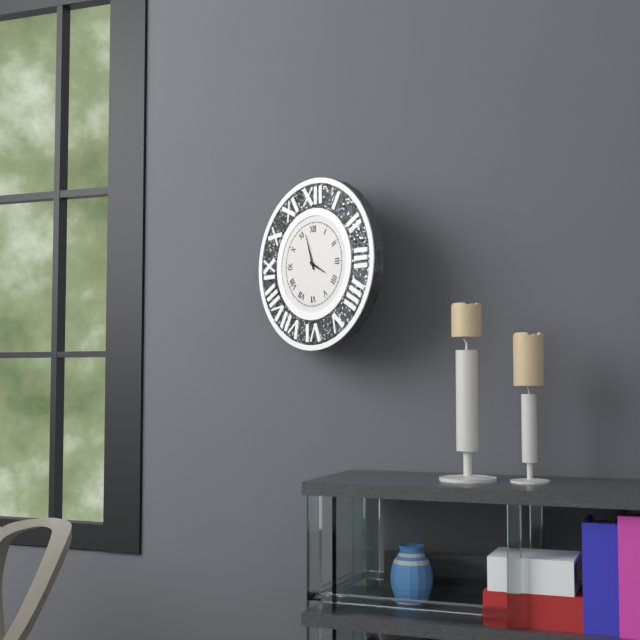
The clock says {"hour": 3, "minute": 57}
